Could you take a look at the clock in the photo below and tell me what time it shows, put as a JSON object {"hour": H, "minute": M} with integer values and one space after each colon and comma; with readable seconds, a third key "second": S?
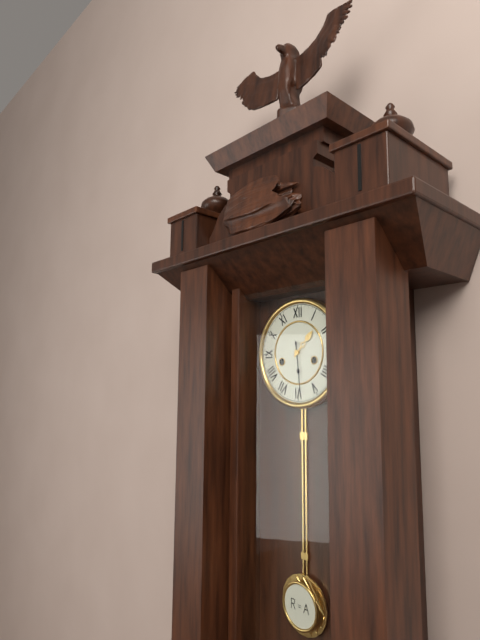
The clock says {"hour": 1, "minute": 29}
